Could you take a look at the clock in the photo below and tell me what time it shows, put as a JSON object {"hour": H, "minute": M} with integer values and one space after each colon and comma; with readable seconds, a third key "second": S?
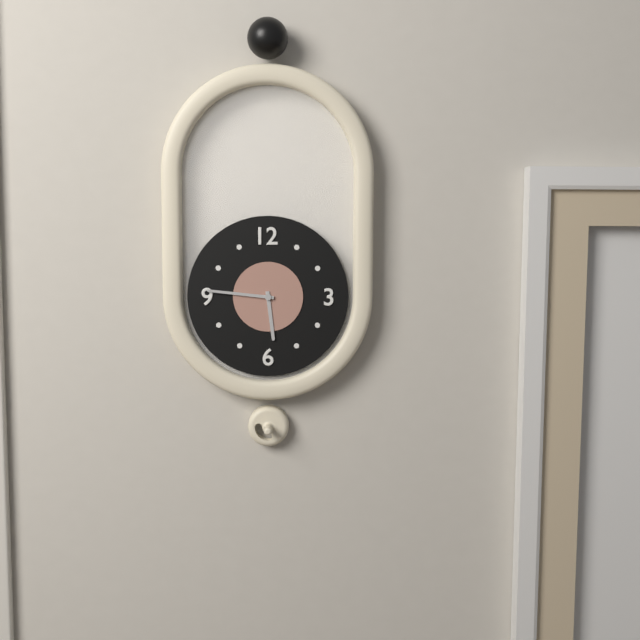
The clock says {"hour": 5, "minute": 46}
